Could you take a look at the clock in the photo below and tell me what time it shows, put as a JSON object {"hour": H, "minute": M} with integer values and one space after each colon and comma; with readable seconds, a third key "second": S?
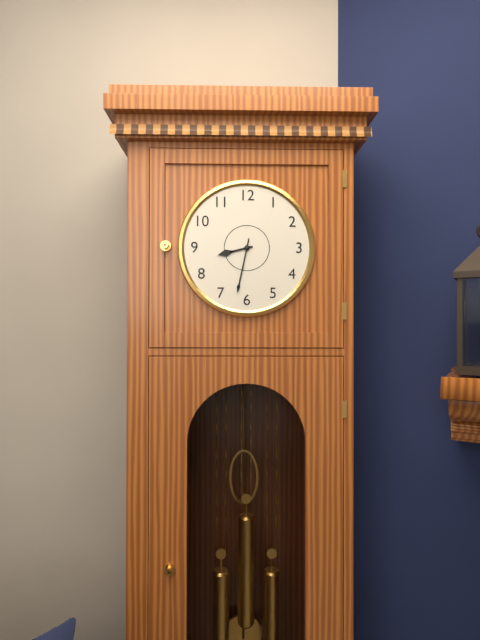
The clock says {"hour": 8, "minute": 32}
